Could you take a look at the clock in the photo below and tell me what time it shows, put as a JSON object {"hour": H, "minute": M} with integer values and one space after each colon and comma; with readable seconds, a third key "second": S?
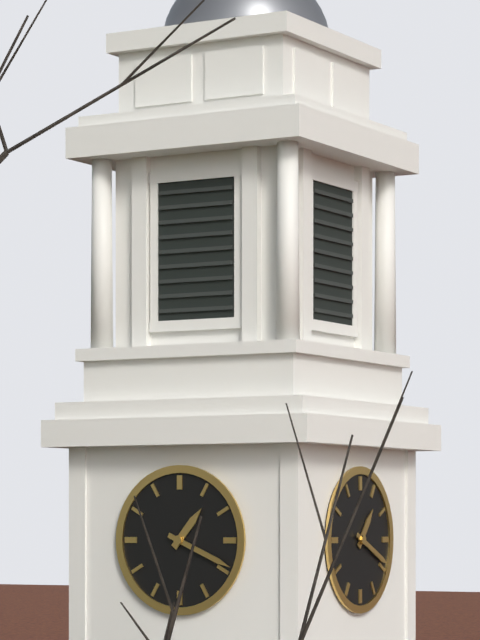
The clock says {"hour": 1, "minute": 19}
